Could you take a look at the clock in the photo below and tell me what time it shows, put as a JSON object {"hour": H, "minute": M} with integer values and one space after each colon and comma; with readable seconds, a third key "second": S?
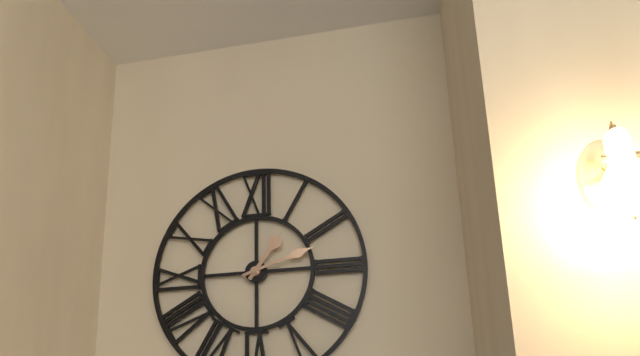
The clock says {"hour": 1, "minute": 12}
